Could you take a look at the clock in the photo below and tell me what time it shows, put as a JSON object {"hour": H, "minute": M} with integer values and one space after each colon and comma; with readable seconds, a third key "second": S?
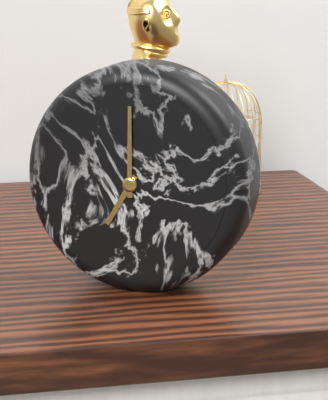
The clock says {"hour": 7, "minute": 0}
